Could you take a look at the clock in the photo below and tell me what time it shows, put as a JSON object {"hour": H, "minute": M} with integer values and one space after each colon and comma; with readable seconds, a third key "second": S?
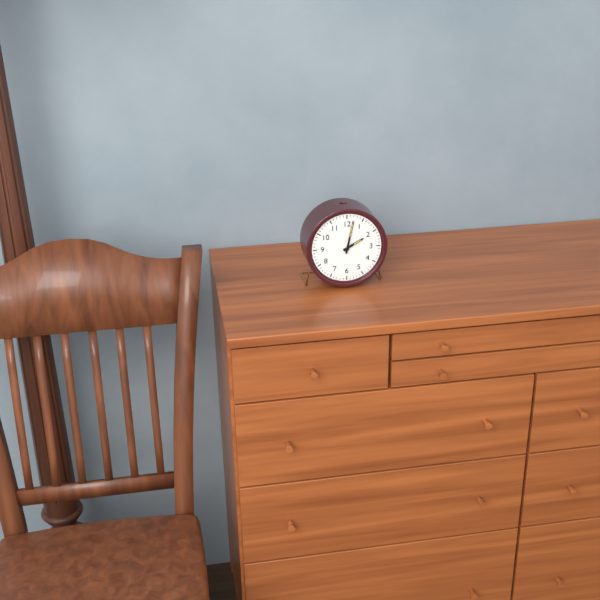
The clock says {"hour": 2, "minute": 2}
